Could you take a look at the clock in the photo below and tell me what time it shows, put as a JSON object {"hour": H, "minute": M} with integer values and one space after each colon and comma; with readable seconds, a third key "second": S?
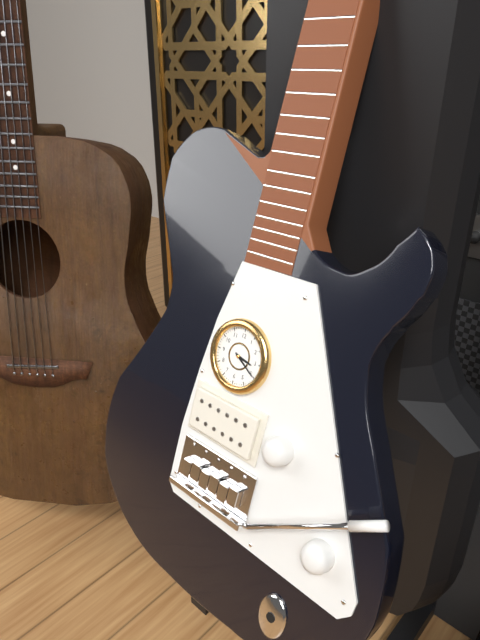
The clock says {"hour": 3, "minute": 20}
